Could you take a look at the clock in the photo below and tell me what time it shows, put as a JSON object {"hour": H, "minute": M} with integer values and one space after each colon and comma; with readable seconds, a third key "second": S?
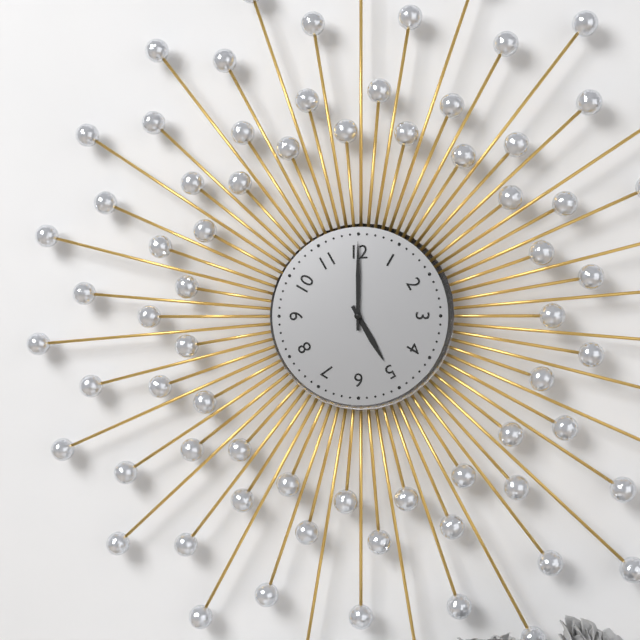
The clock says {"hour": 5, "minute": 0}
